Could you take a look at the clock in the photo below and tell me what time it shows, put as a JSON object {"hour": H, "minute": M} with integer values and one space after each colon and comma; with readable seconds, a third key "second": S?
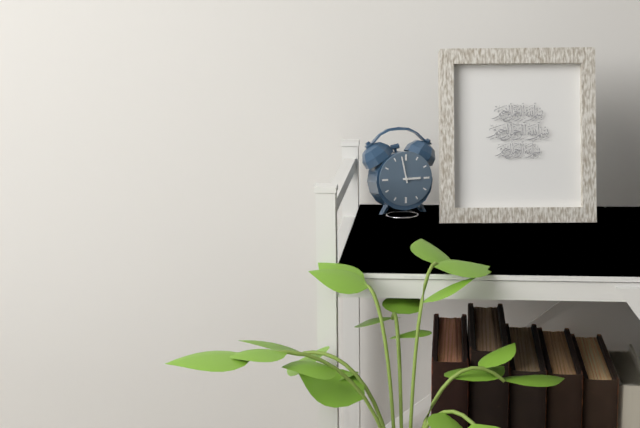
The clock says {"hour": 2, "minute": 58}
